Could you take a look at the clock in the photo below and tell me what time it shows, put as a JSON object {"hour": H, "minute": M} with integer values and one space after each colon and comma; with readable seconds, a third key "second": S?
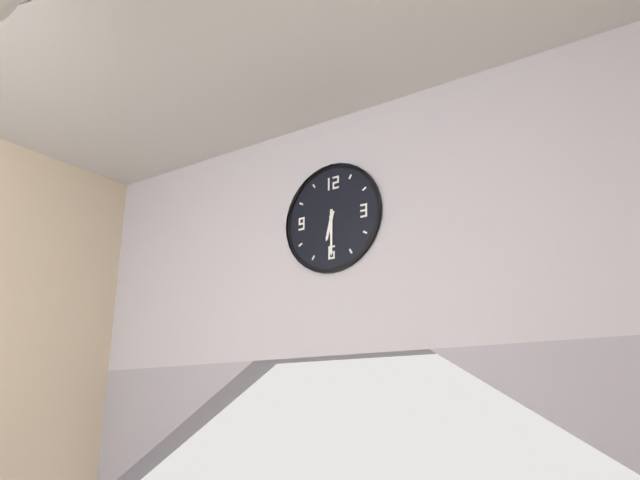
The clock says {"hour": 6, "minute": 30}
